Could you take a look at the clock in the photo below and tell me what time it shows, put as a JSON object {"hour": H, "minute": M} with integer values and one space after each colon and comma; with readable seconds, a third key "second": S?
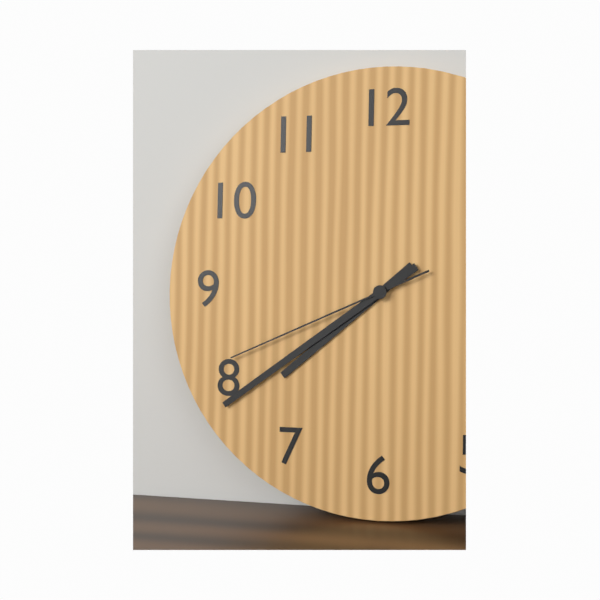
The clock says {"hour": 7, "minute": 39, "second": 41}
